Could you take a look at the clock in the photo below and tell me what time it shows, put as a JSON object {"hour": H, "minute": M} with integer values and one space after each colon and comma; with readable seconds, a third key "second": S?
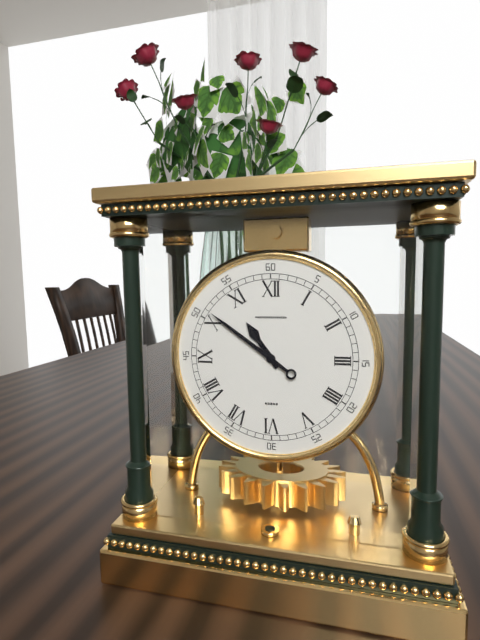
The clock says {"hour": 10, "minute": 51}
